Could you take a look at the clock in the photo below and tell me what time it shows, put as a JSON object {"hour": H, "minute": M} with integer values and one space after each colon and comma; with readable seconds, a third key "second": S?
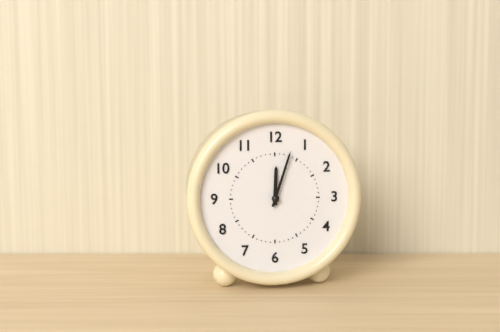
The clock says {"hour": 12, "minute": 3}
